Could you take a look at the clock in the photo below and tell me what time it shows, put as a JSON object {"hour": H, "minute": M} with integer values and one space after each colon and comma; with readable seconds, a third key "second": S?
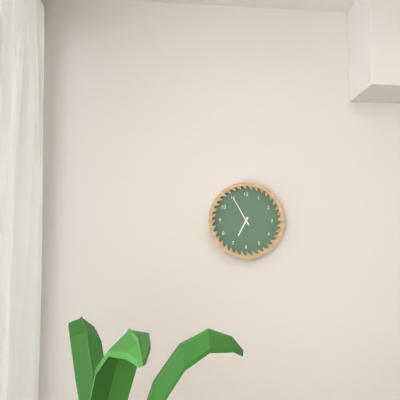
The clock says {"hour": 6, "minute": 55}
